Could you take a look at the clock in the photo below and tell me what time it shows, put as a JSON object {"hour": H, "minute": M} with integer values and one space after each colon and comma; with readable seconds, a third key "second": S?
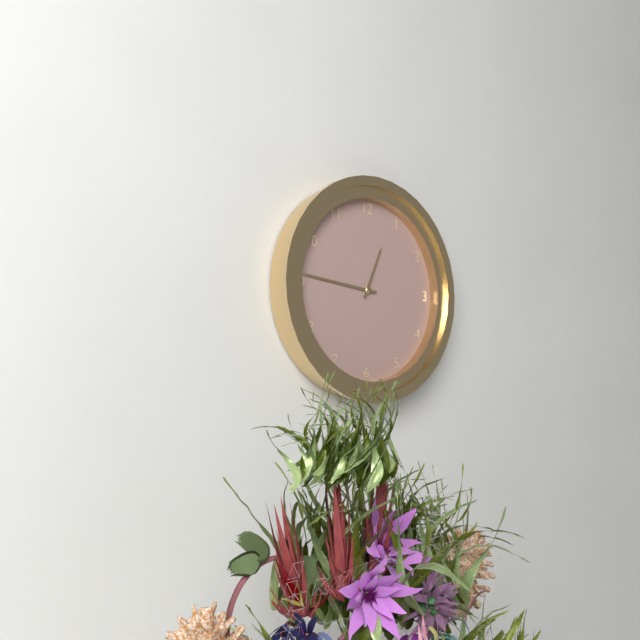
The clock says {"hour": 12, "minute": 46}
